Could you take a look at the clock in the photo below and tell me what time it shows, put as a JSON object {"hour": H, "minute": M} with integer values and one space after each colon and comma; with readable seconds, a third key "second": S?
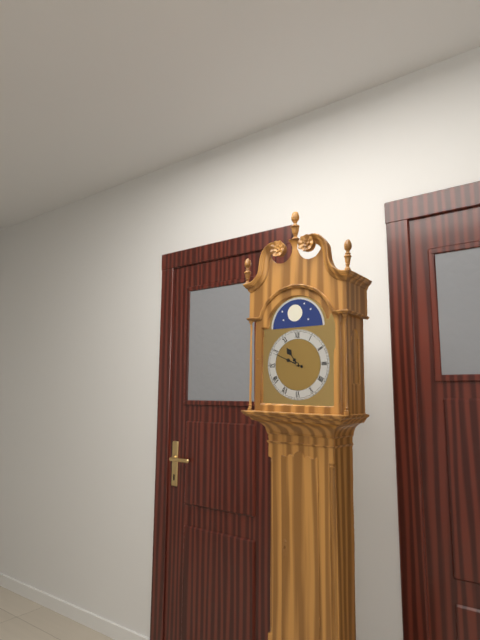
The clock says {"hour": 10, "minute": 49}
